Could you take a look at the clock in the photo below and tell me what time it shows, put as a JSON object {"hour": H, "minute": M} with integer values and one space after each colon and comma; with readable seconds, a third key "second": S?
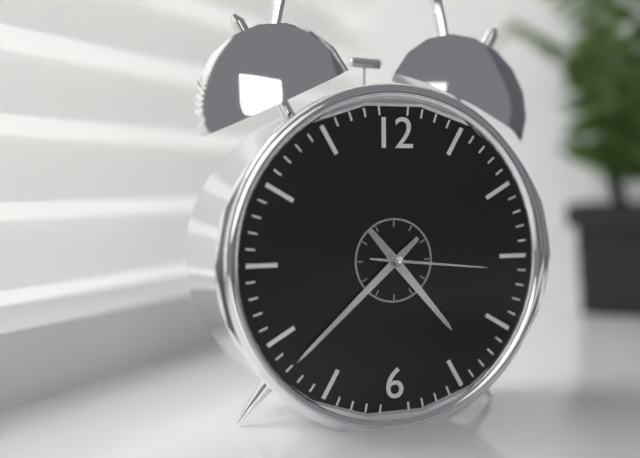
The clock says {"hour": 4, "minute": 38, "second": 16}
